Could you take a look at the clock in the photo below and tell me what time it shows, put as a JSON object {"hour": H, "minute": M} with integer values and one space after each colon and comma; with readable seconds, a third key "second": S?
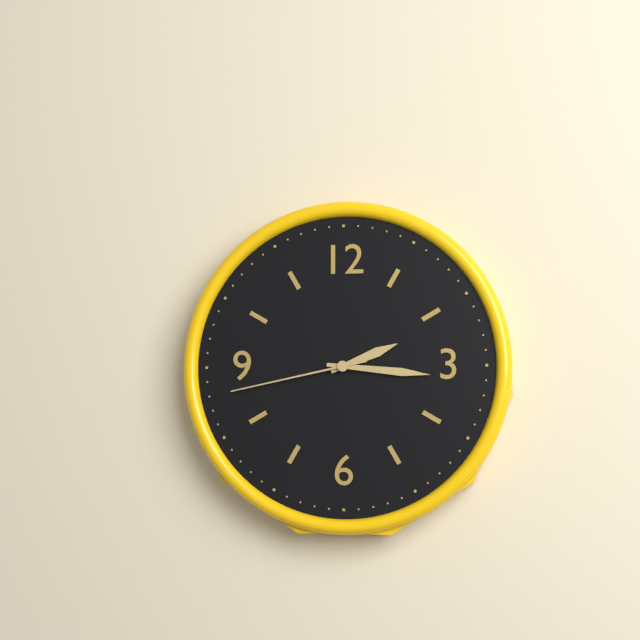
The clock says {"hour": 2, "minute": 16, "second": 43}
